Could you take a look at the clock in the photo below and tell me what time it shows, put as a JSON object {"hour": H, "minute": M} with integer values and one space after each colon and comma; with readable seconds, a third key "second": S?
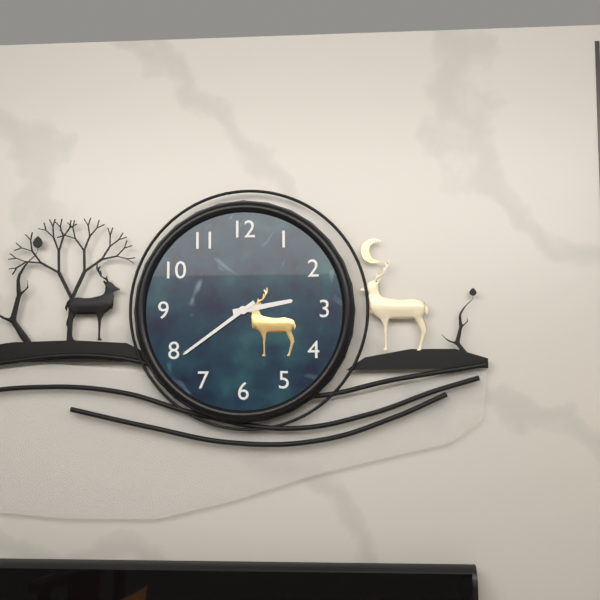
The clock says {"hour": 2, "minute": 39}
